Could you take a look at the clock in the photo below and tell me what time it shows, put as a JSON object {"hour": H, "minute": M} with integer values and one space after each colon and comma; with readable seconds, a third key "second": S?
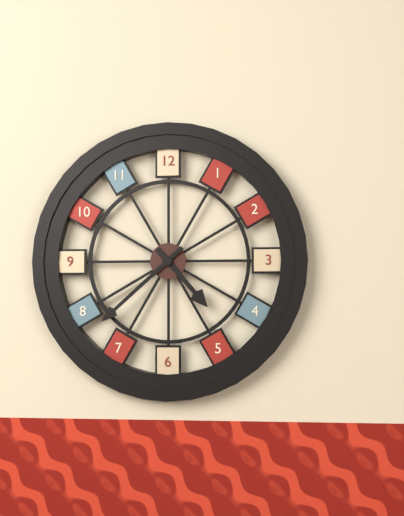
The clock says {"hour": 4, "minute": 38}
